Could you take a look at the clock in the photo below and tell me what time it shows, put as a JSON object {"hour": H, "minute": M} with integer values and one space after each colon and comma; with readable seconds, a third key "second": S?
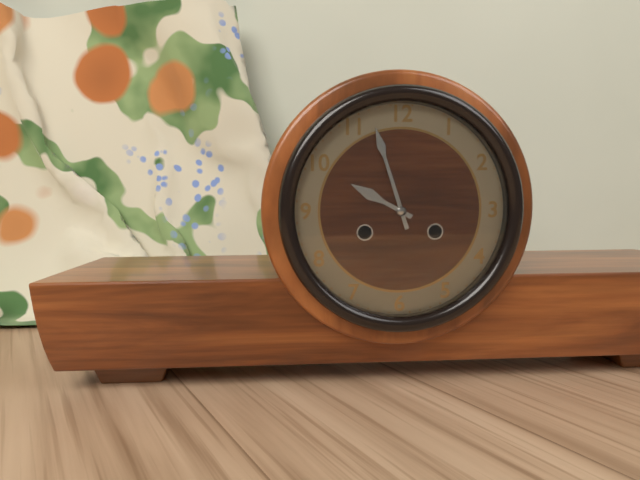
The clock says {"hour": 9, "minute": 57}
